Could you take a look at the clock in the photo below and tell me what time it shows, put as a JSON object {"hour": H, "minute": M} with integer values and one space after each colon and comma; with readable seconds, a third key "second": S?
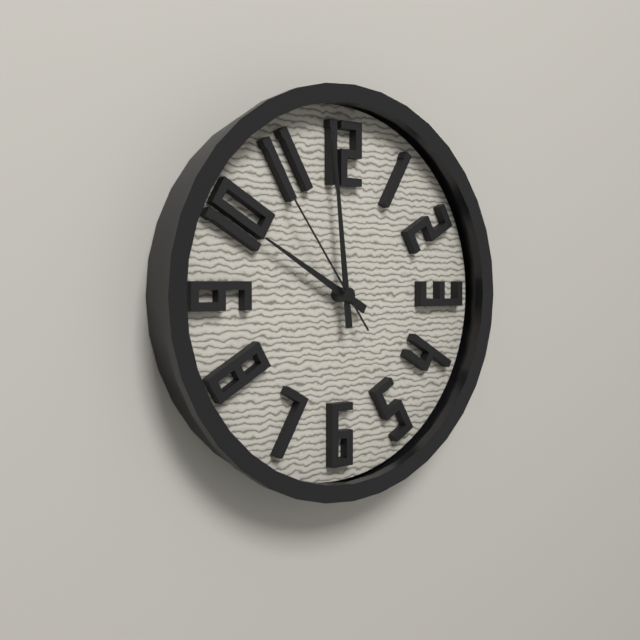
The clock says {"hour": 9, "minute": 59, "second": 54}
